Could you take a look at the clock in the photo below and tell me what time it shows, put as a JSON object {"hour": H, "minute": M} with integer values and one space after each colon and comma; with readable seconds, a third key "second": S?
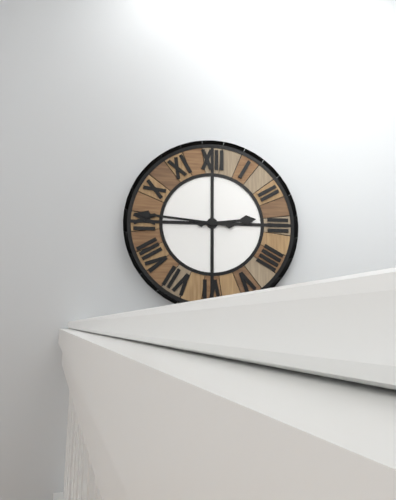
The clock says {"hour": 2, "minute": 46}
